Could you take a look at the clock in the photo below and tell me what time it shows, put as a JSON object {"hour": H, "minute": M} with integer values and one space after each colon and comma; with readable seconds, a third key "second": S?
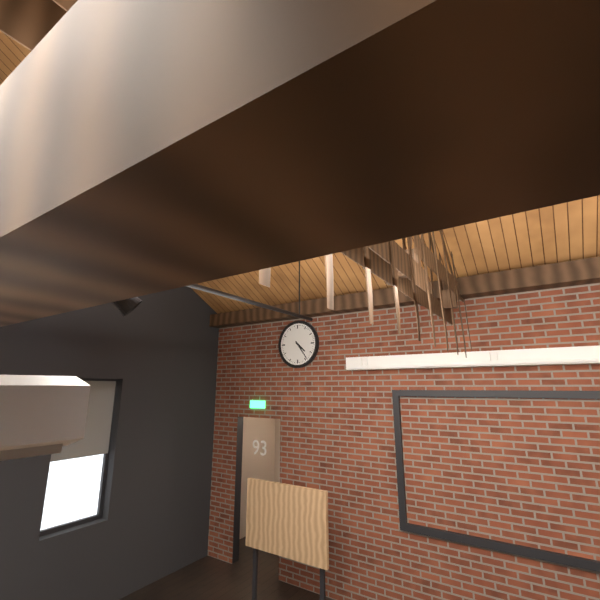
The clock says {"hour": 4, "minute": 24}
